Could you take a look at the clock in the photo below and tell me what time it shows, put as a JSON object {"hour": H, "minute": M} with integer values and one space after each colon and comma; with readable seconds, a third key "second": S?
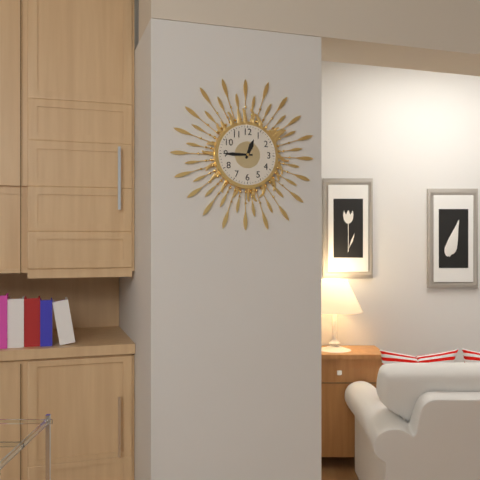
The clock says {"hour": 12, "minute": 45}
